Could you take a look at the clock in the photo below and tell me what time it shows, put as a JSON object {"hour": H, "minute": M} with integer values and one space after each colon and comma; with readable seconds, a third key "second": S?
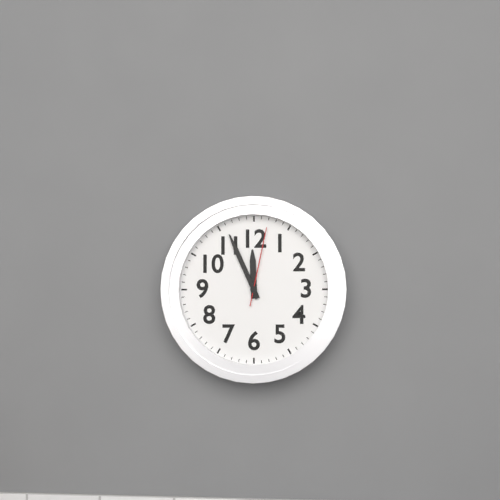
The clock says {"hour": 11, "minute": 56, "second": 2}
